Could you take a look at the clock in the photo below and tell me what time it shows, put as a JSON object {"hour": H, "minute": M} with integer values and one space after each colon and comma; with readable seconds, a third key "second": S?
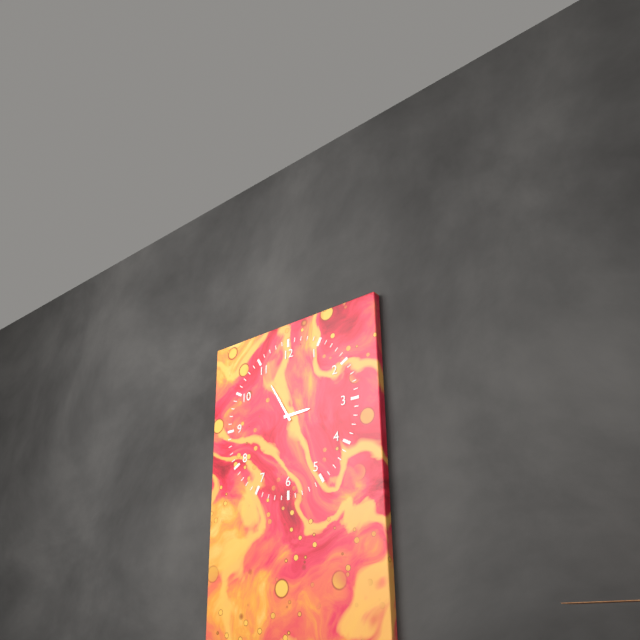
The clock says {"hour": 2, "minute": 55}
